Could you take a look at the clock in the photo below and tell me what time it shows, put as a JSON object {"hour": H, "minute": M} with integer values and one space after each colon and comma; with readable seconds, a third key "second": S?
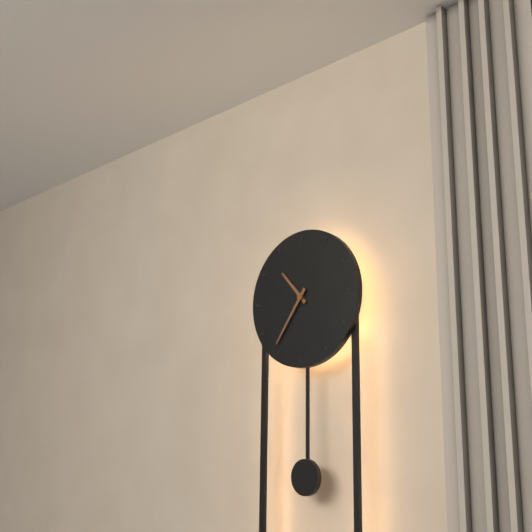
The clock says {"hour": 10, "minute": 36}
